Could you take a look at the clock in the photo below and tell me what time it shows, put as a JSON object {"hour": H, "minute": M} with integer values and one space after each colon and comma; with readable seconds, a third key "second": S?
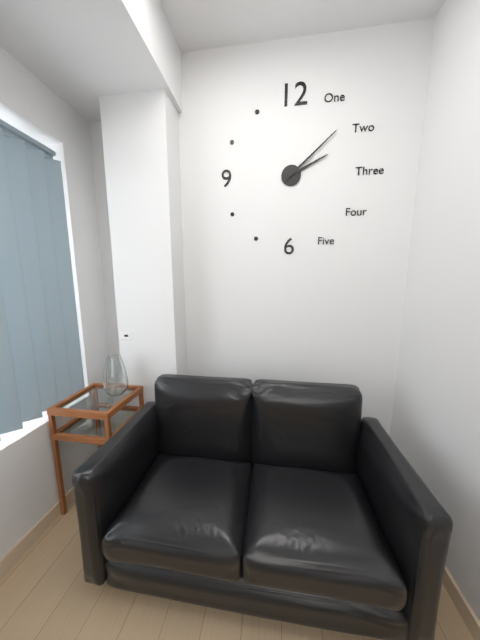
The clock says {"hour": 2, "minute": 8}
